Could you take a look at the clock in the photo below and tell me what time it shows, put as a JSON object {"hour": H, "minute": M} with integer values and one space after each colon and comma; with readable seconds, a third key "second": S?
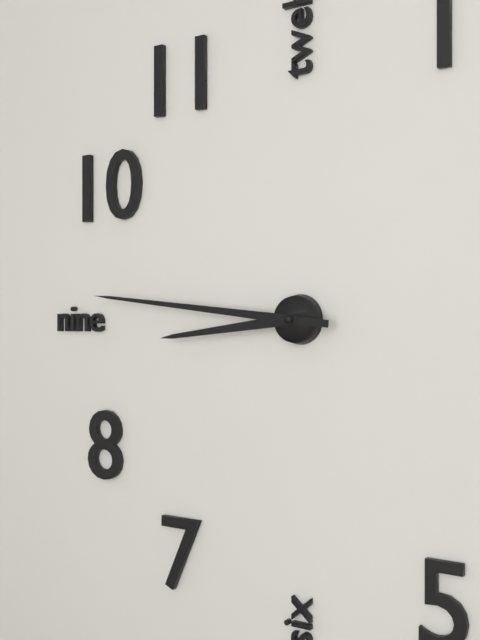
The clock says {"hour": 8, "minute": 46}
